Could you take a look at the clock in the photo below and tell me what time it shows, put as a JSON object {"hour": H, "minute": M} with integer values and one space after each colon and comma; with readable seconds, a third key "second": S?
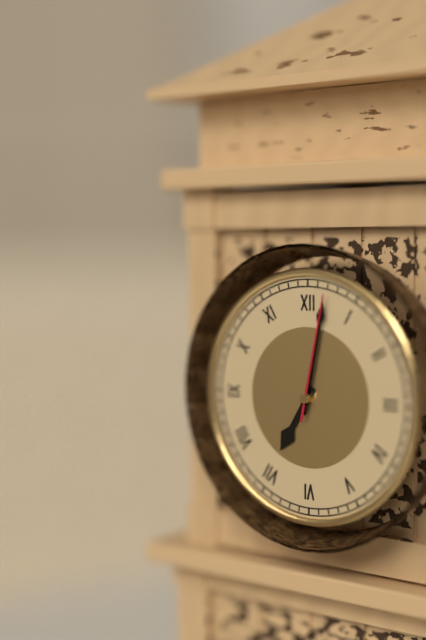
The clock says {"hour": 7, "minute": 2, "second": 2}
